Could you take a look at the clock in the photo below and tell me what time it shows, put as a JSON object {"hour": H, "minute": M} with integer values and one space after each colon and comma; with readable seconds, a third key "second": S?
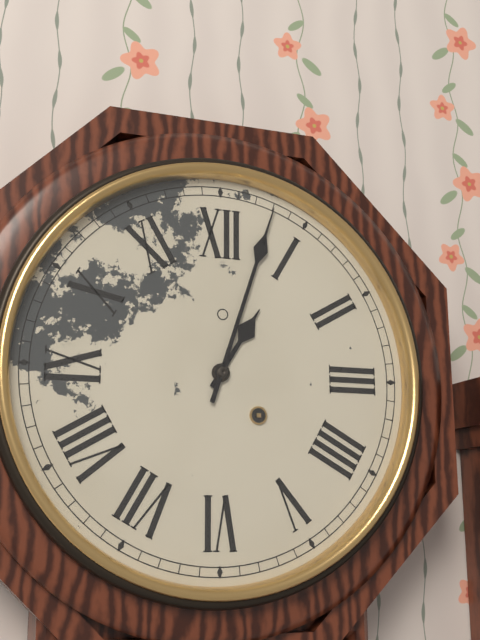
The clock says {"hour": 1, "minute": 3}
